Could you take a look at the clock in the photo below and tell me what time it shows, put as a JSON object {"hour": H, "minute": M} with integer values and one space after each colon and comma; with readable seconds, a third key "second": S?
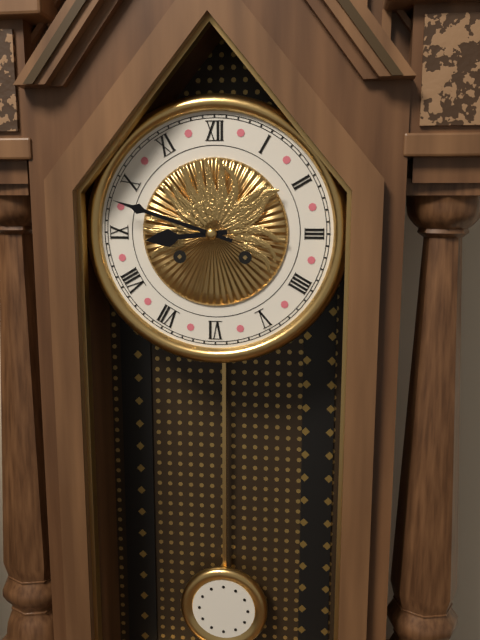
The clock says {"hour": 8, "minute": 48}
